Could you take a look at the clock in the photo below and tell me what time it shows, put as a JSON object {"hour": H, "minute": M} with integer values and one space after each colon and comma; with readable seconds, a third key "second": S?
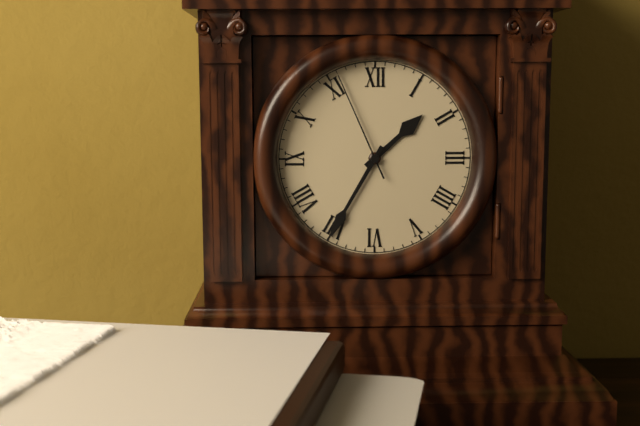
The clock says {"hour": 1, "minute": 35, "second": 56}
